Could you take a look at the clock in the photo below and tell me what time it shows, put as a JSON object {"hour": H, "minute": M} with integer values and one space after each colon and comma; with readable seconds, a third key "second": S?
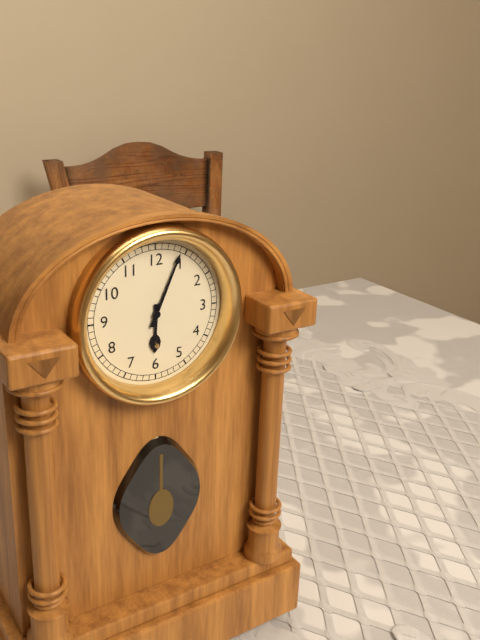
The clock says {"hour": 6, "minute": 4}
